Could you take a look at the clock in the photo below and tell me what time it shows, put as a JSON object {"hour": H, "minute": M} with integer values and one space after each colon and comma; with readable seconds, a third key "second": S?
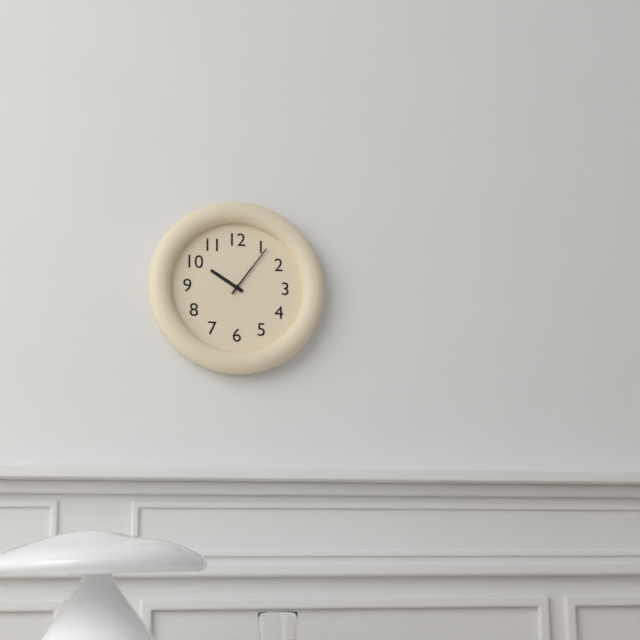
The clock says {"hour": 10, "minute": 6}
